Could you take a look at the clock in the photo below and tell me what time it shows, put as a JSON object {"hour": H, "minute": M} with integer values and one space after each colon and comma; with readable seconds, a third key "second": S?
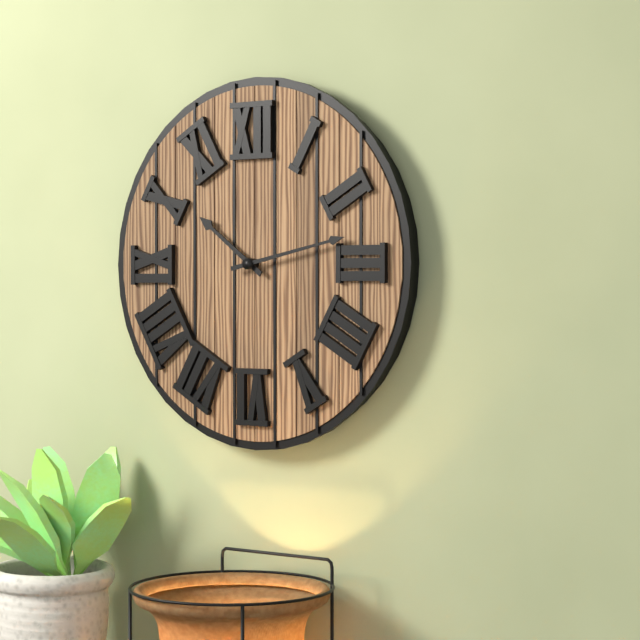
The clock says {"hour": 10, "minute": 13}
